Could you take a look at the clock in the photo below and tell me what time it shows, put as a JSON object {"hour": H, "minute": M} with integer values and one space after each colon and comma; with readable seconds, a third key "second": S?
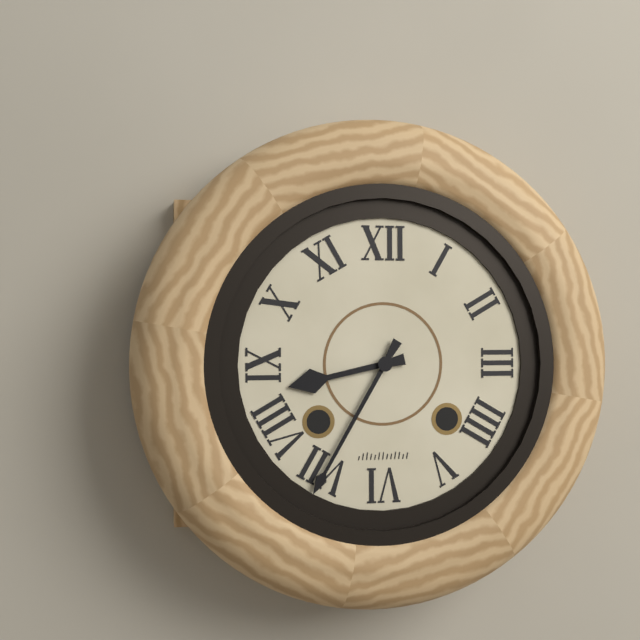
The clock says {"hour": 8, "minute": 35}
